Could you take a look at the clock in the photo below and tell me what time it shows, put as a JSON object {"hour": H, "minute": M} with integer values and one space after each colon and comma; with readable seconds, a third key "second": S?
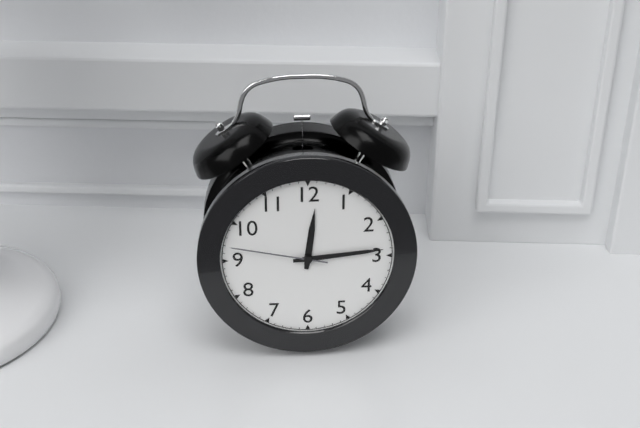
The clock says {"hour": 12, "minute": 14, "second": 47}
